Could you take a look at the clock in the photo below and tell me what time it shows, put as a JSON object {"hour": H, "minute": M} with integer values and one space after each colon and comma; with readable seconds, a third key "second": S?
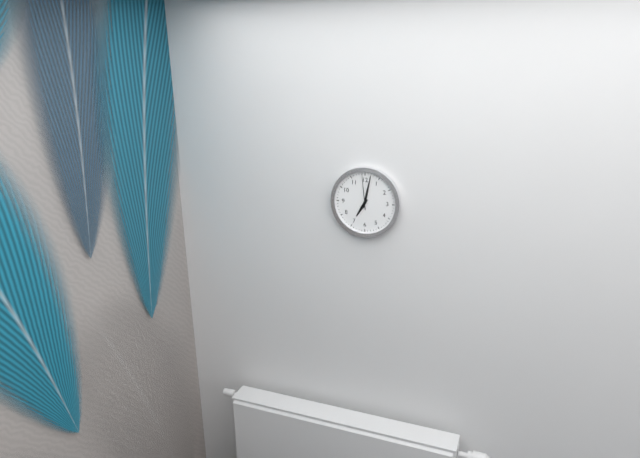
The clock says {"hour": 7, "minute": 2}
